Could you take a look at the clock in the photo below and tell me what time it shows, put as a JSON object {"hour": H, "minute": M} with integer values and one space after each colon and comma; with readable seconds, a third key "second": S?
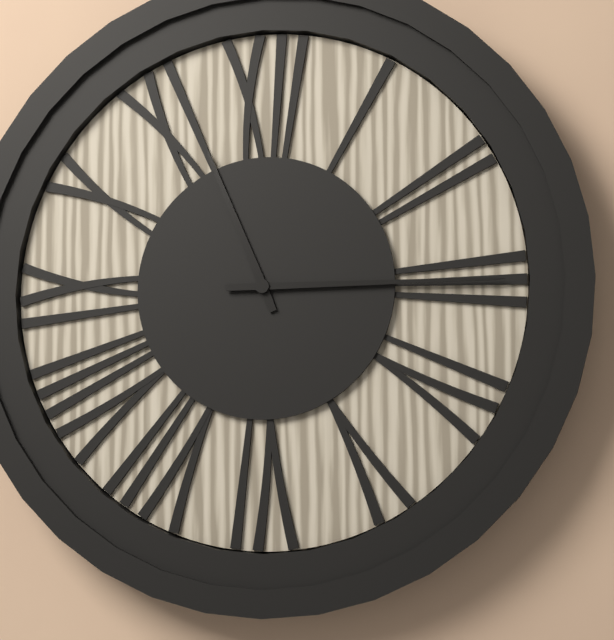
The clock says {"hour": 11, "minute": 15}
